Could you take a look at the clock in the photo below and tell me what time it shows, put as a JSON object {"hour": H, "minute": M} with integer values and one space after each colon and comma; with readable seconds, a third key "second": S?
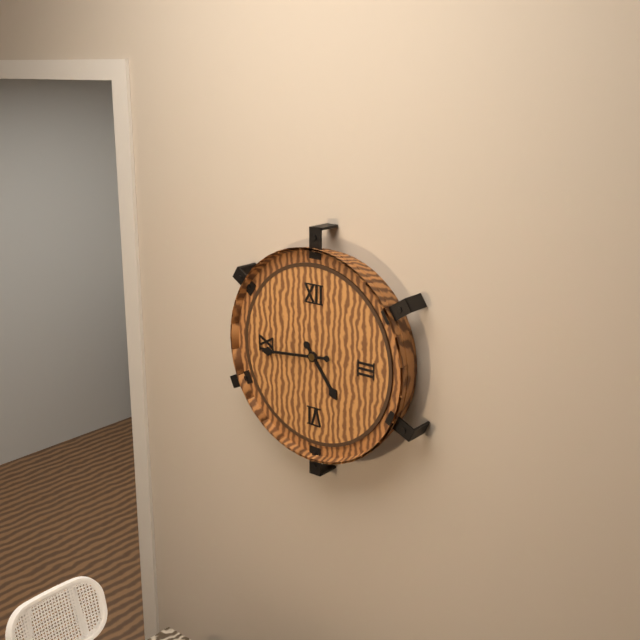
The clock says {"hour": 4, "minute": 44}
